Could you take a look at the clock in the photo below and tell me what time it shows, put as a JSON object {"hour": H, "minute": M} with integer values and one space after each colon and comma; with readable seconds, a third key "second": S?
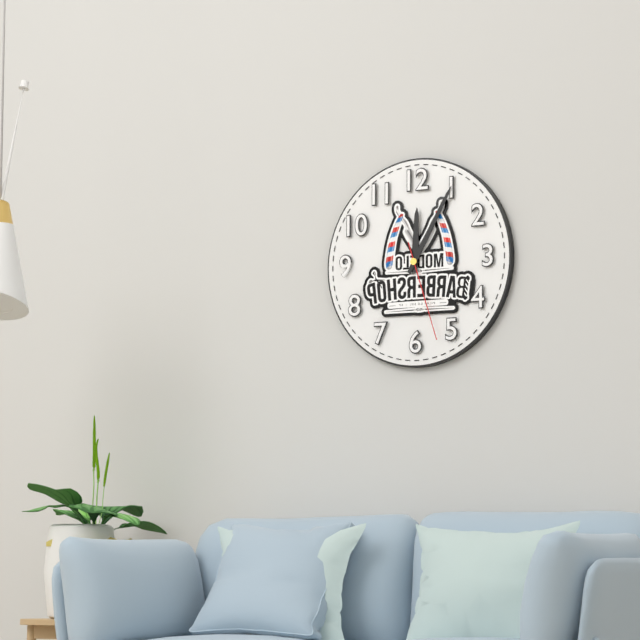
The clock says {"hour": 12, "minute": 5, "second": 27}
